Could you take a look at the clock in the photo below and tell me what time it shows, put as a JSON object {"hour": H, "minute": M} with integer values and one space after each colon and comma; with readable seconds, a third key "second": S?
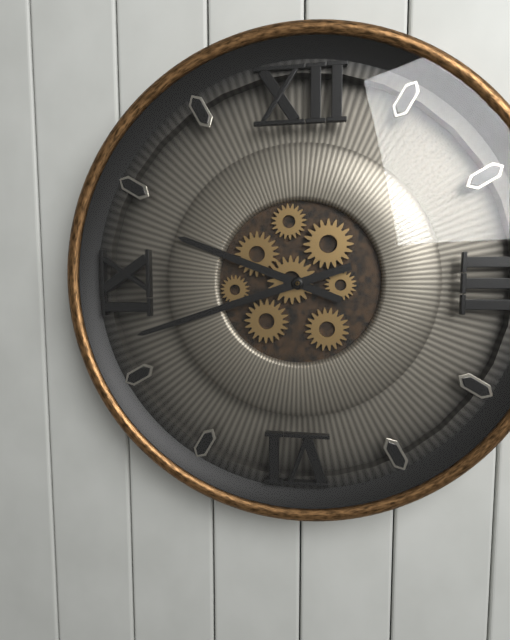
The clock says {"hour": 9, "minute": 42}
